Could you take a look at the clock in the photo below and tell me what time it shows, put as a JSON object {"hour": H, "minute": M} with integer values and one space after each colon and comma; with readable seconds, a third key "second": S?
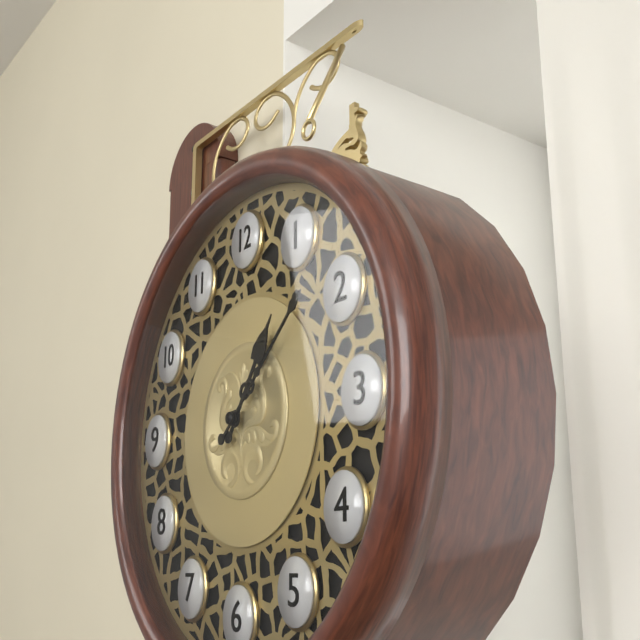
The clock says {"hour": 1, "minute": 8}
